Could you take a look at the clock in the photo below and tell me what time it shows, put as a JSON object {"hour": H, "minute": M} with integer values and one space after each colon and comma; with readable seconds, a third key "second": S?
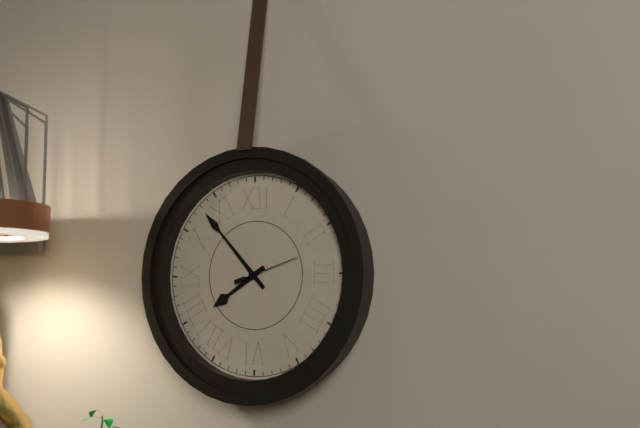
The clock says {"hour": 7, "minute": 53, "second": 12}
